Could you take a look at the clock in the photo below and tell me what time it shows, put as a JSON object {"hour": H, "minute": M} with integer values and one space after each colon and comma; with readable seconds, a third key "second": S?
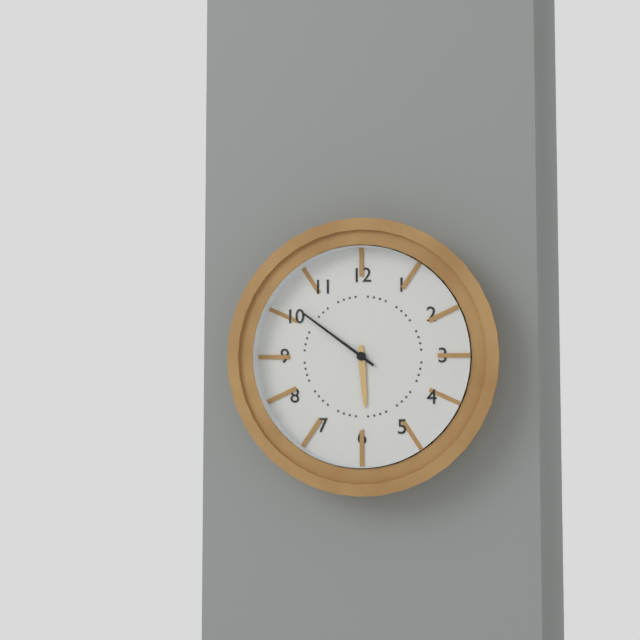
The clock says {"hour": 5, "minute": 51}
